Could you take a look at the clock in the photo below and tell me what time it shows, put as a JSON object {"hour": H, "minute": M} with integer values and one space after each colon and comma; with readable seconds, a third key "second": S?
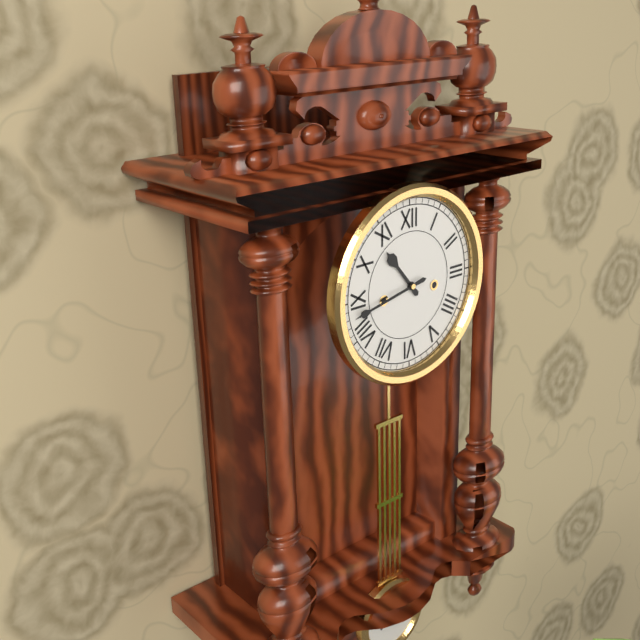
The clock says {"hour": 10, "minute": 43}
